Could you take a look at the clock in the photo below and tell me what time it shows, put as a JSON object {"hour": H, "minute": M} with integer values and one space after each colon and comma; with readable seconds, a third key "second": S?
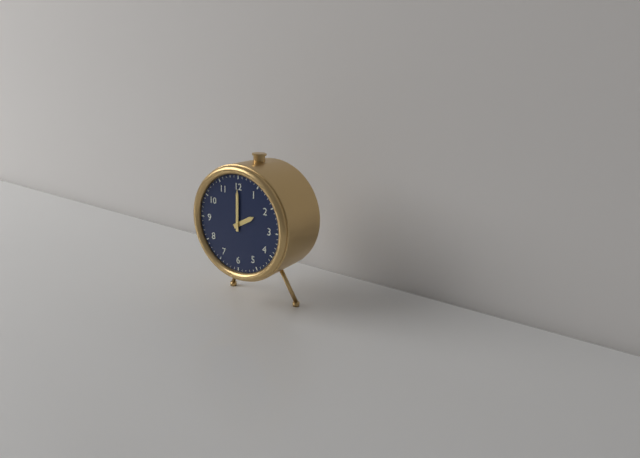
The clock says {"hour": 2, "minute": 0}
